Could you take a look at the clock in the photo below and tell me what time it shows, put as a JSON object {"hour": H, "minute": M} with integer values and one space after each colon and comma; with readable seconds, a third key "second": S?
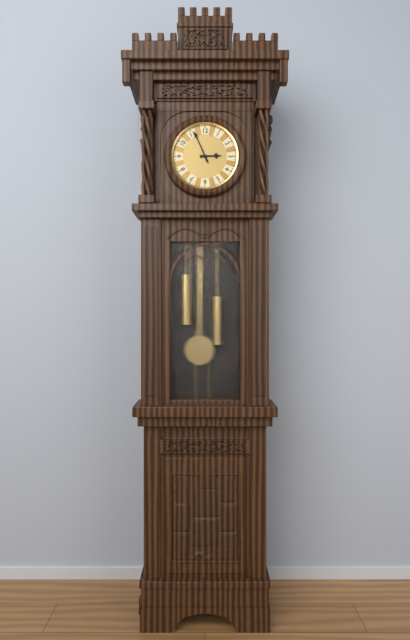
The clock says {"hour": 2, "minute": 56}
